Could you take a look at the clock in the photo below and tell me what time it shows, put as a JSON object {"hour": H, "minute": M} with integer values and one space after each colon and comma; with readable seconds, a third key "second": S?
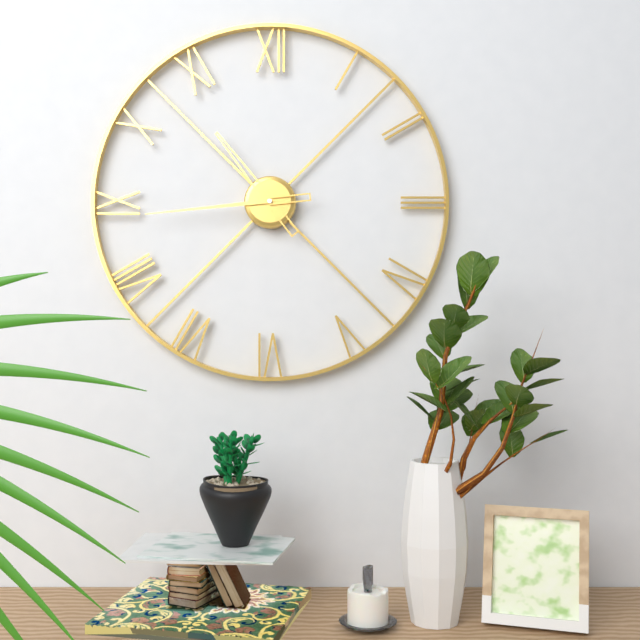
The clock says {"hour": 10, "minute": 44}
